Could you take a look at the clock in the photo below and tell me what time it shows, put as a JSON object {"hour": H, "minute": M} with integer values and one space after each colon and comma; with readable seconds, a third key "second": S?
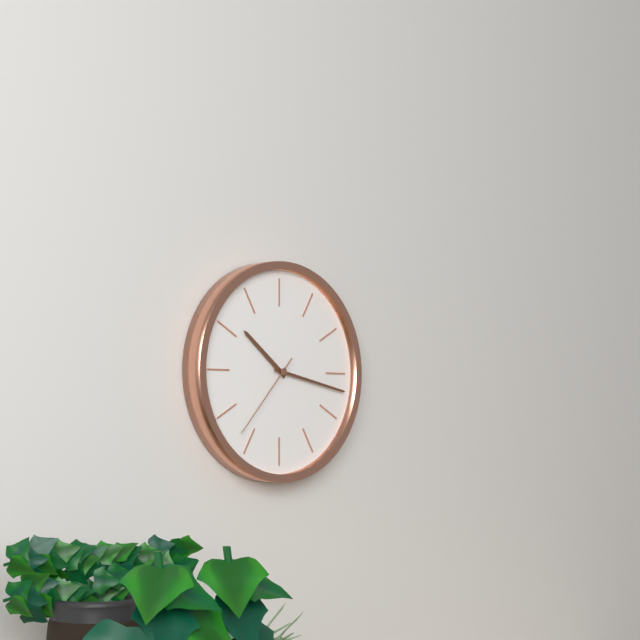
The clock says {"hour": 10, "minute": 17, "second": 37}
